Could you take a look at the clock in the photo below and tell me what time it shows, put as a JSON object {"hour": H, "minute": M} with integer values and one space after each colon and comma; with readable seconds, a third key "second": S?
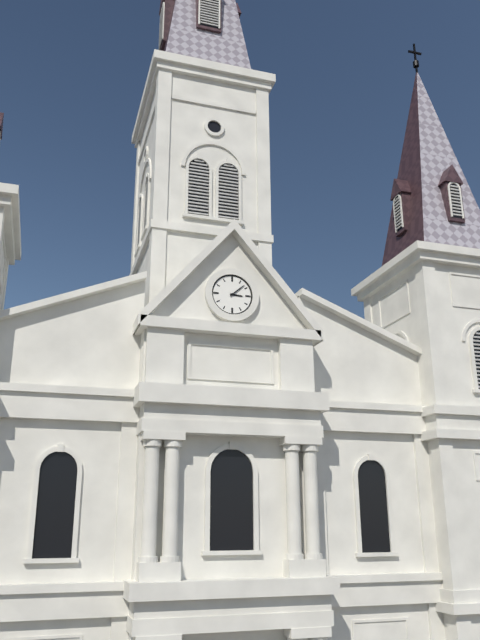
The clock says {"hour": 3, "minute": 8}
